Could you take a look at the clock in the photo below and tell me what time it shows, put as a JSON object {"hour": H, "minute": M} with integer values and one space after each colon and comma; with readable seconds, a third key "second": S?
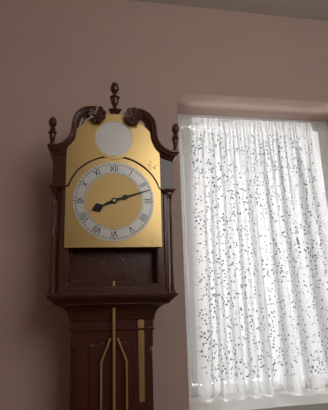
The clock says {"hour": 8, "minute": 12}
